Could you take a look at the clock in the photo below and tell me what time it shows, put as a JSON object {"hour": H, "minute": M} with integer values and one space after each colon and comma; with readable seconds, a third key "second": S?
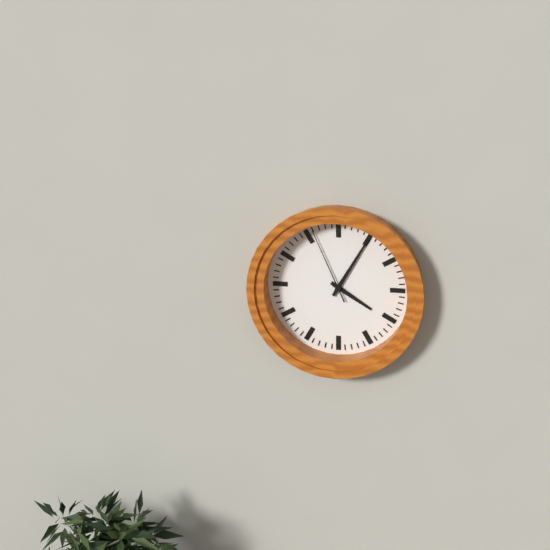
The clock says {"hour": 4, "minute": 5, "second": 56}
